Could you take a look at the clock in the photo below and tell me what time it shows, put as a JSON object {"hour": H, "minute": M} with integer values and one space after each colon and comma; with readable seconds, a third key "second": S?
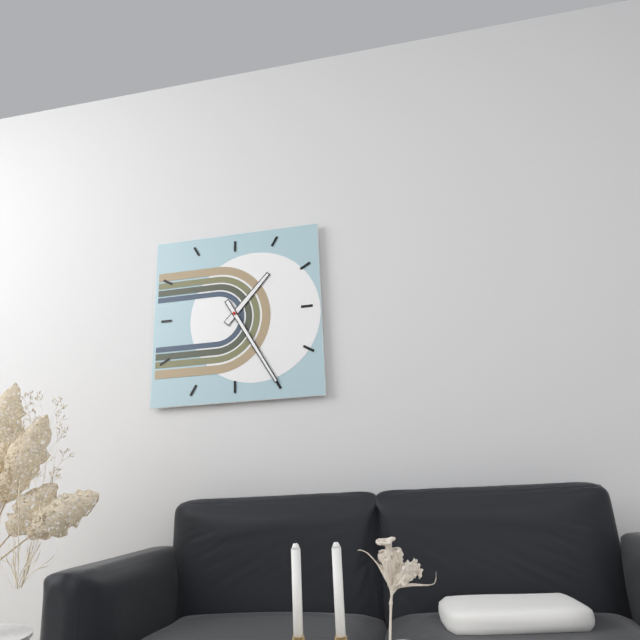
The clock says {"hour": 1, "minute": 25}
